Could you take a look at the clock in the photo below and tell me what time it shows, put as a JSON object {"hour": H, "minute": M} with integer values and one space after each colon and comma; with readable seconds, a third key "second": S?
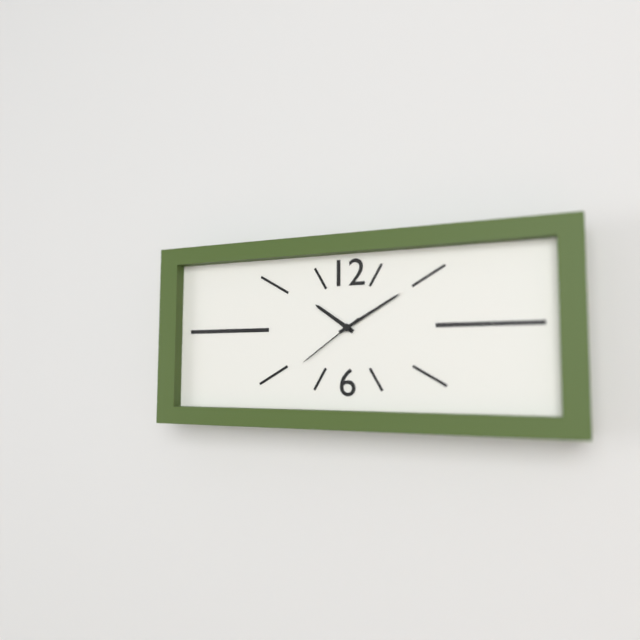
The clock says {"hour": 10, "minute": 10, "second": 39}
